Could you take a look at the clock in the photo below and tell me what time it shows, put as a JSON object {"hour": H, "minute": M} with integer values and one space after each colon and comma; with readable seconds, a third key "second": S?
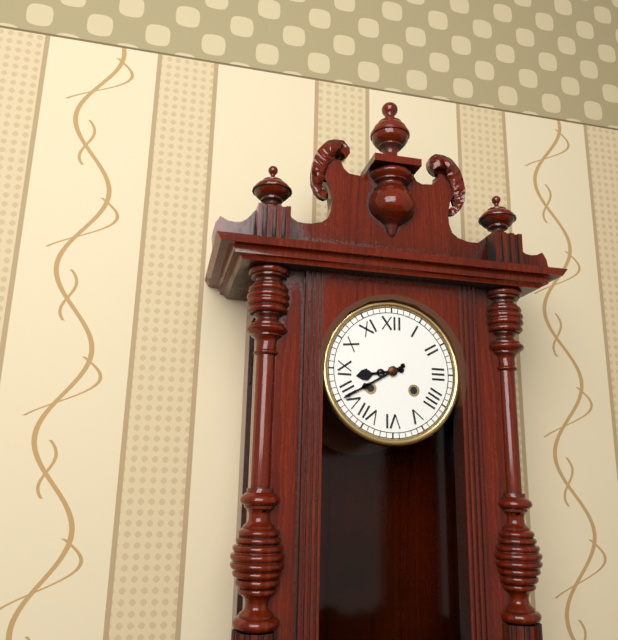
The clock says {"hour": 8, "minute": 40}
